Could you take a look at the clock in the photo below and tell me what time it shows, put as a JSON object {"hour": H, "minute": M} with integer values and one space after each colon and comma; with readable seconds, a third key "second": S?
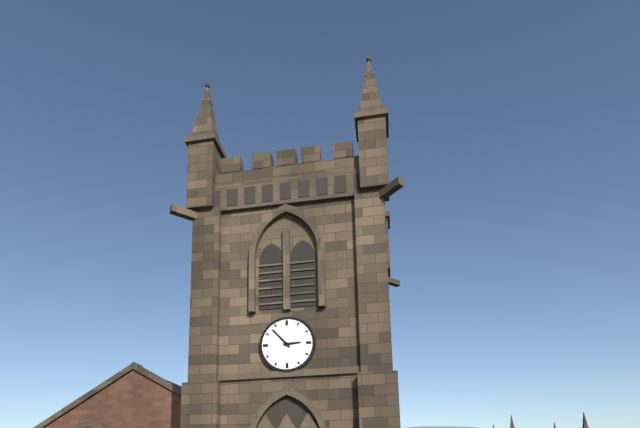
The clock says {"hour": 2, "minute": 53}
